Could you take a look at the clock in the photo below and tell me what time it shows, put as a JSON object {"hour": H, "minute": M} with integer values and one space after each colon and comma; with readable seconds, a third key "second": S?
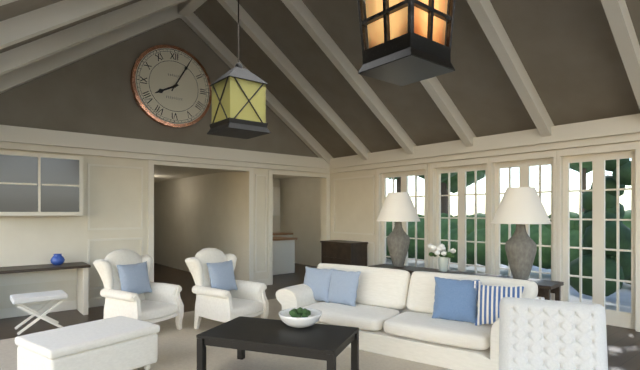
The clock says {"hour": 8, "minute": 5}
